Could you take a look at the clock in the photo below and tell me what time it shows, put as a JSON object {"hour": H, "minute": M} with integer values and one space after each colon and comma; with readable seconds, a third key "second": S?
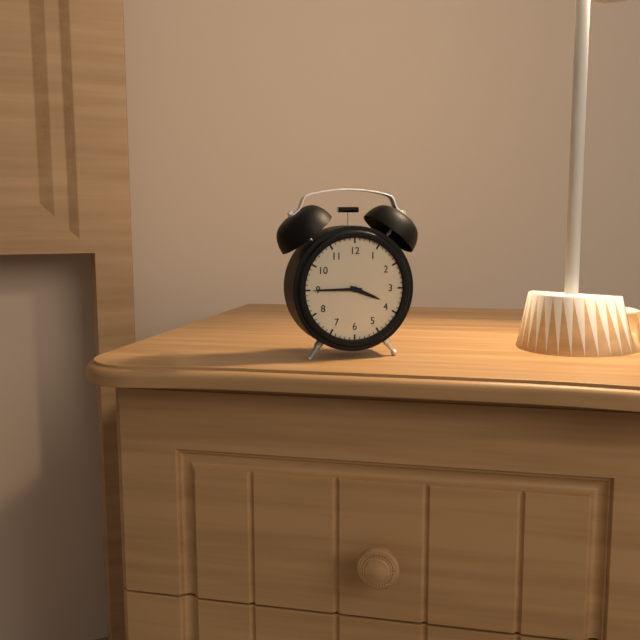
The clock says {"hour": 3, "minute": 45}
